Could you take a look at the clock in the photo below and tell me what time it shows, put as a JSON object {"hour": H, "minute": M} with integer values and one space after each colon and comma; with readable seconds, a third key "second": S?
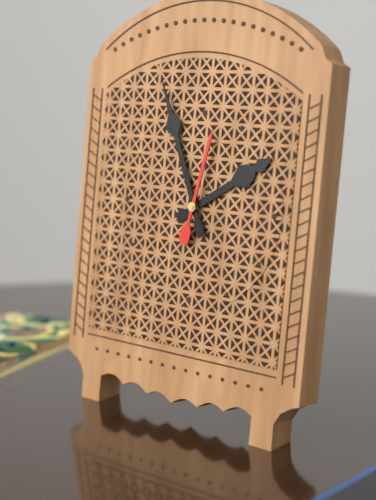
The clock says {"hour": 1, "minute": 56, "second": 2}
